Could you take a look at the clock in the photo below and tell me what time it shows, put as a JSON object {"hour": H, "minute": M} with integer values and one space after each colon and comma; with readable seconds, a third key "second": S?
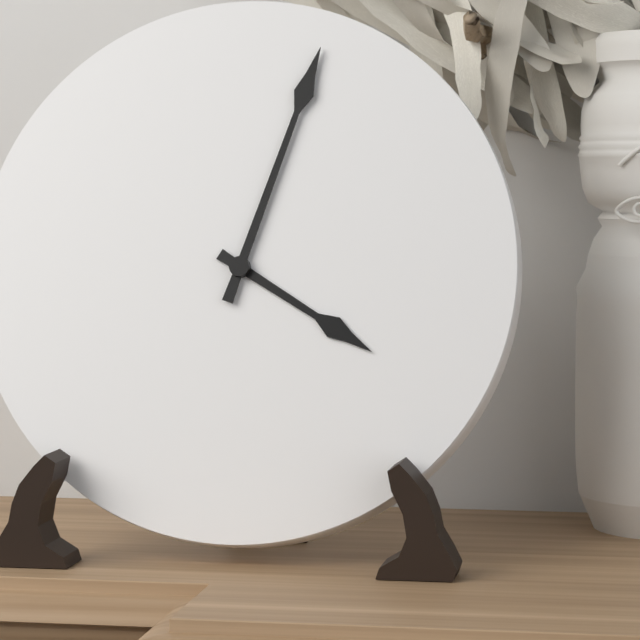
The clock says {"hour": 4, "minute": 3}
